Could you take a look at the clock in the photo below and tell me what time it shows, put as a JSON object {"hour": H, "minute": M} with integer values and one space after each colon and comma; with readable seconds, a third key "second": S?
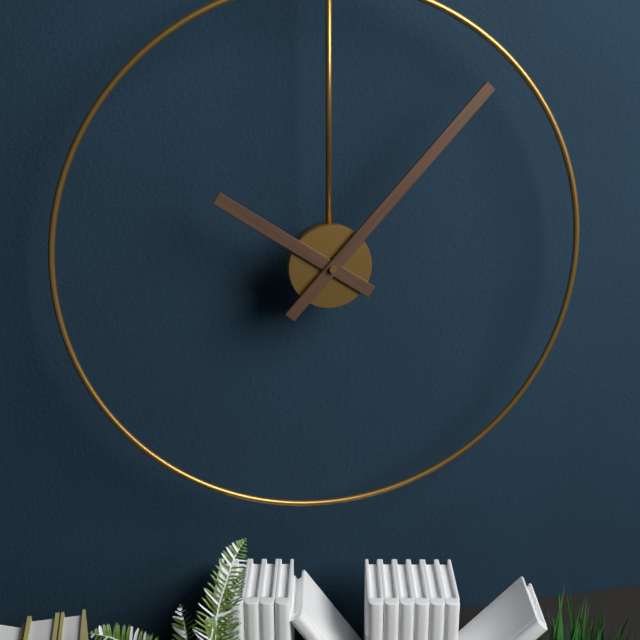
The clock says {"hour": 10, "minute": 7}
